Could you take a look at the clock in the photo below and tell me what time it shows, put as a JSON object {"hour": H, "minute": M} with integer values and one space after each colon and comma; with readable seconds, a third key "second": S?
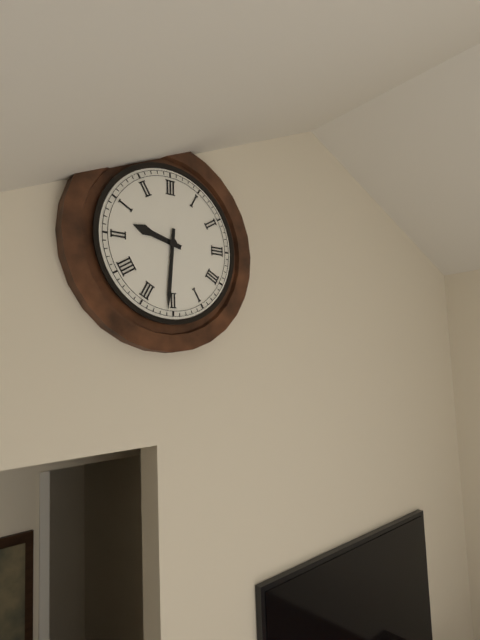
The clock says {"hour": 9, "minute": 31}
